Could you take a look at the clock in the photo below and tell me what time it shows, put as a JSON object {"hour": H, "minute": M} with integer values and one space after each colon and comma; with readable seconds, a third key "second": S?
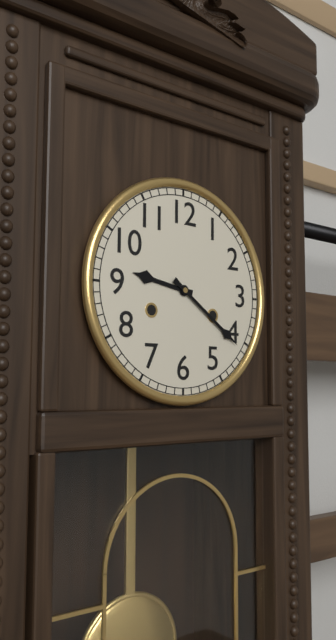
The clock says {"hour": 9, "minute": 21}
